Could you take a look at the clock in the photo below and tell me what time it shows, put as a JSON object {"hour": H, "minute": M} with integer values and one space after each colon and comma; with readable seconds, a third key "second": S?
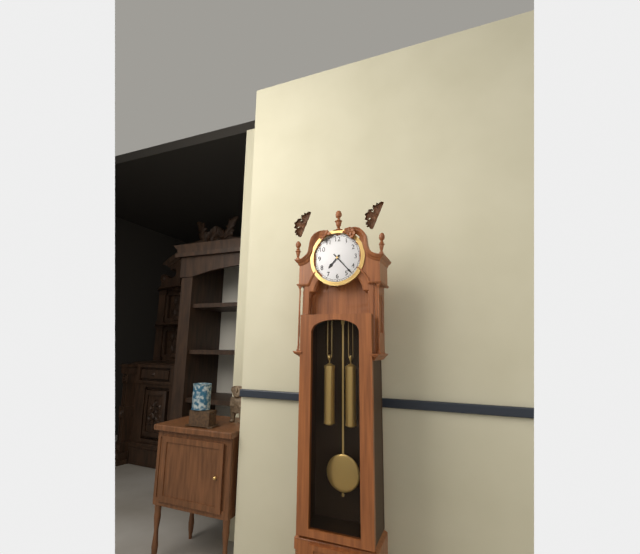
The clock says {"hour": 7, "minute": 23}
